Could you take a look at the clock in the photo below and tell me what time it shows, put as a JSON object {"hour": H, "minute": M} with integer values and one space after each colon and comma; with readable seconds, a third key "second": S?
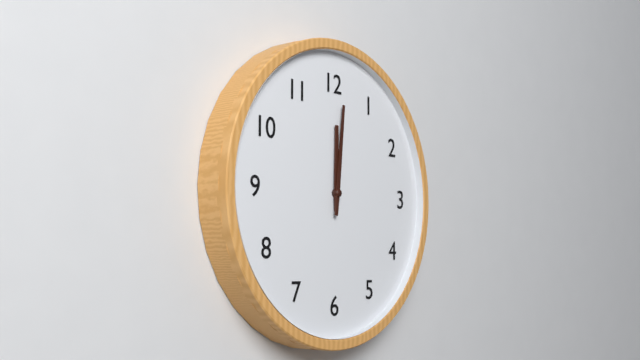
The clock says {"hour": 12, "minute": 1}
